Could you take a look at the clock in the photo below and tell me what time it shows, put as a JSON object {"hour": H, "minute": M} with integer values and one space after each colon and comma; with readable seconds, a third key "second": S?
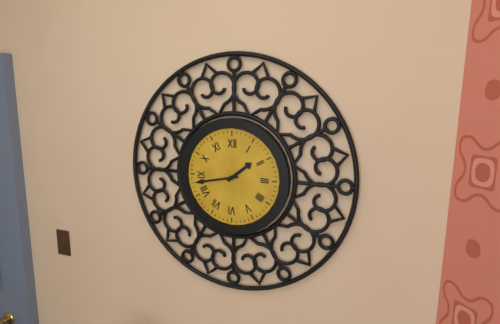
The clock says {"hour": 1, "minute": 43}
